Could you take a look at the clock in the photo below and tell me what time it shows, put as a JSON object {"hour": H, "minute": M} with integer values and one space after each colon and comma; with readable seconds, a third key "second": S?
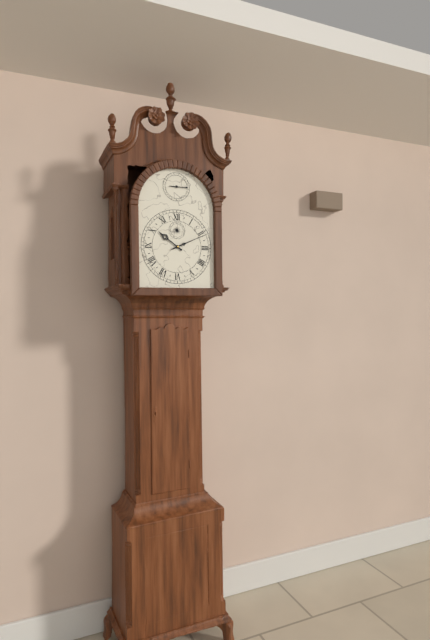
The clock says {"hour": 10, "minute": 11}
